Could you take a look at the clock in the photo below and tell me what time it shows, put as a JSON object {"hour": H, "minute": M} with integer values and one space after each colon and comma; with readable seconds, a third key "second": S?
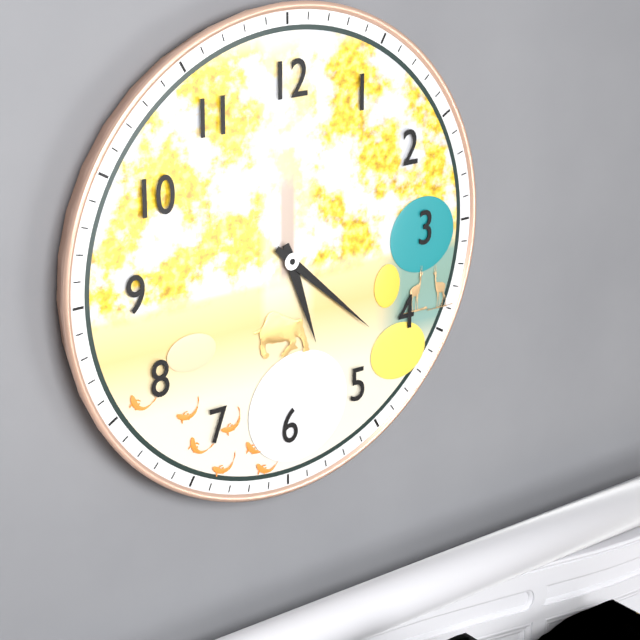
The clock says {"hour": 5, "minute": 22}
